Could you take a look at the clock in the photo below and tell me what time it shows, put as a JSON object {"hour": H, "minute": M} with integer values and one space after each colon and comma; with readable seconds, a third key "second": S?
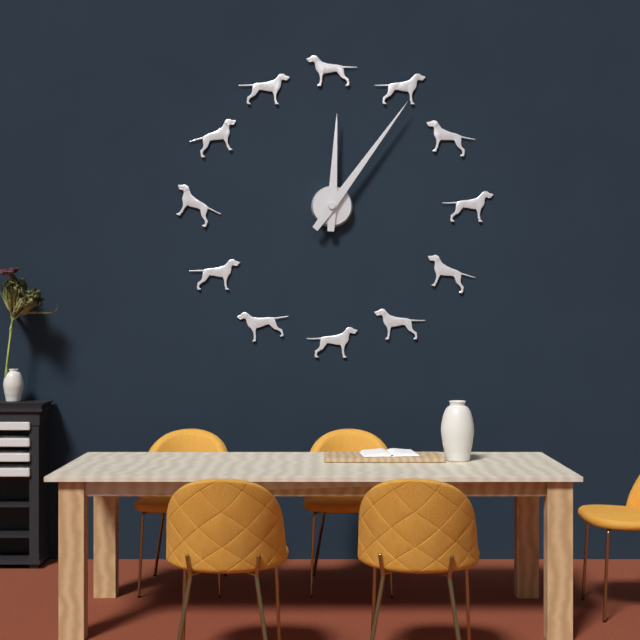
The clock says {"hour": 12, "minute": 6}
